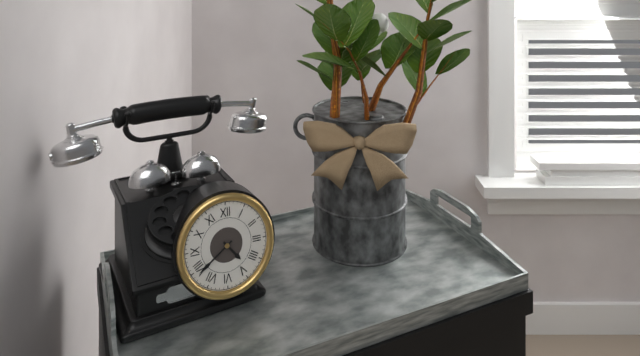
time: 4:39
